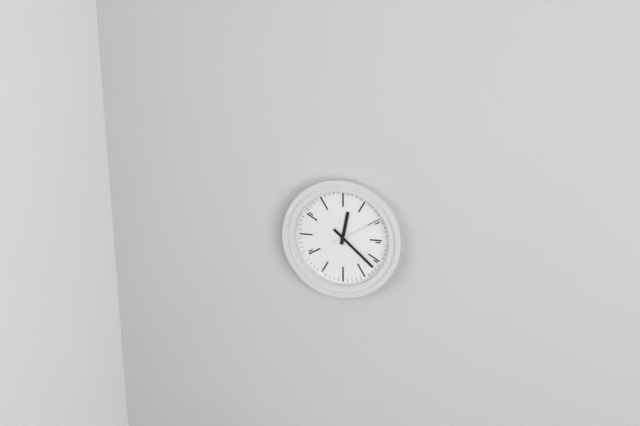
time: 12:22:10
